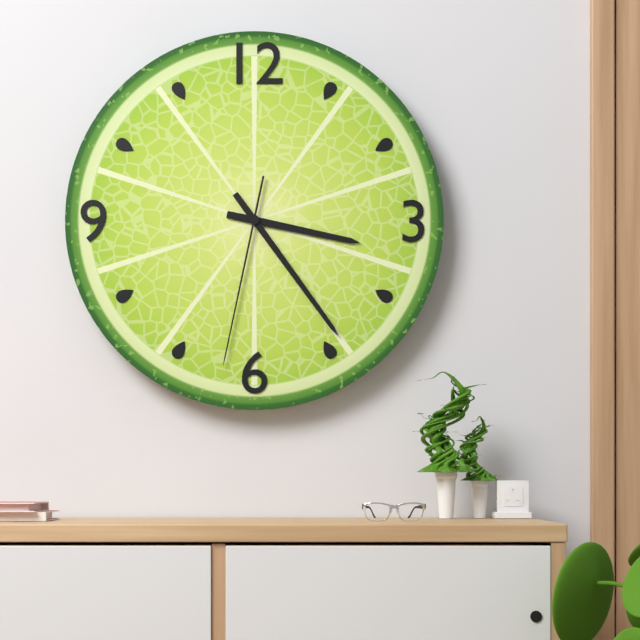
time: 3:24:32
